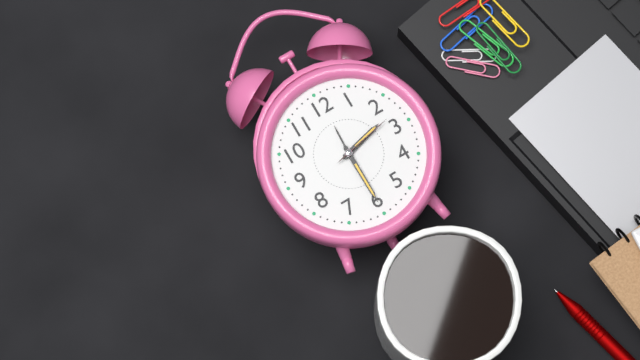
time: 2:30:13
